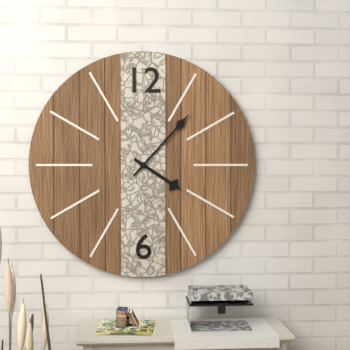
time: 4:07
